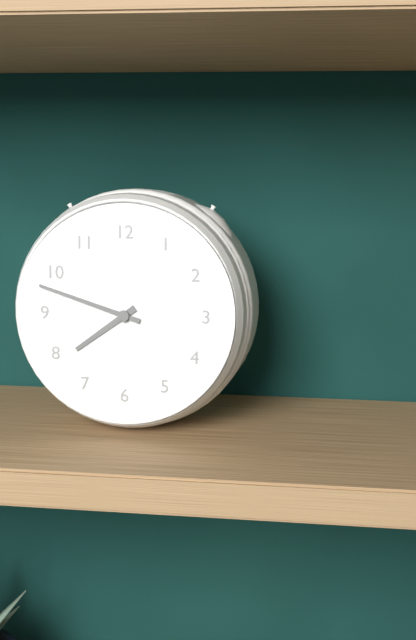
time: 7:48
